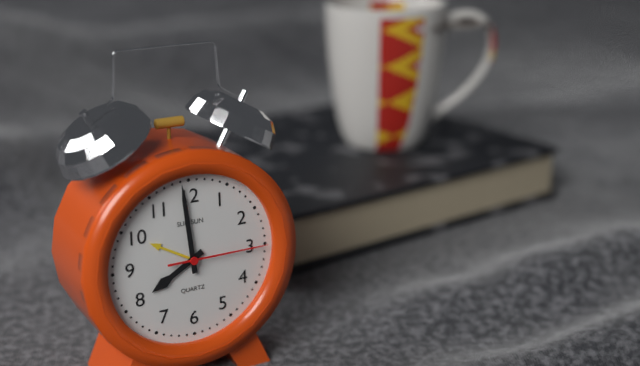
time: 7:59:15
